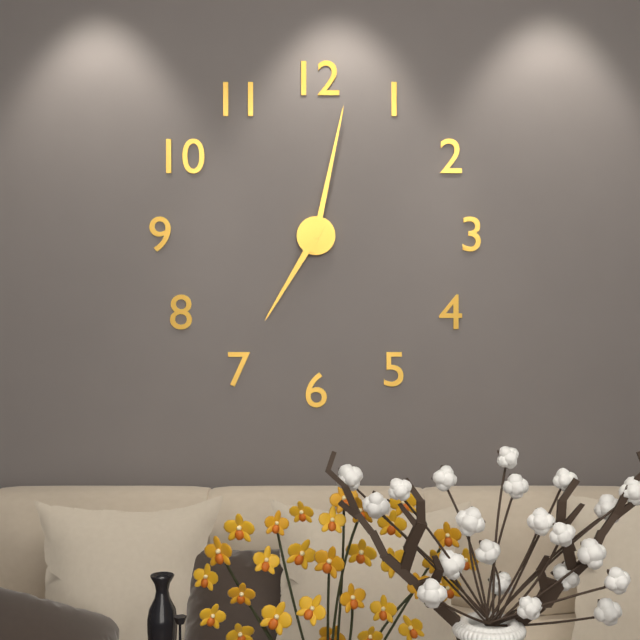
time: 7:02
